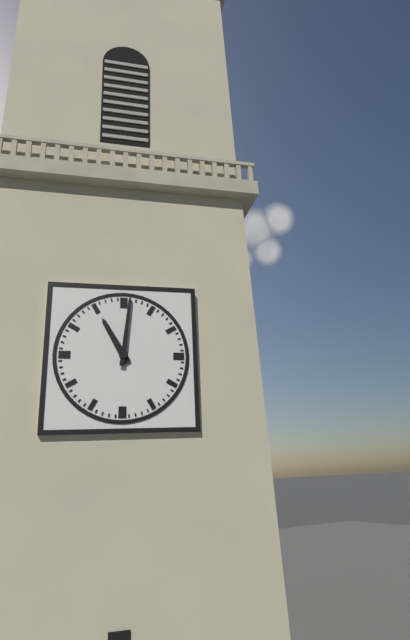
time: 11:01
